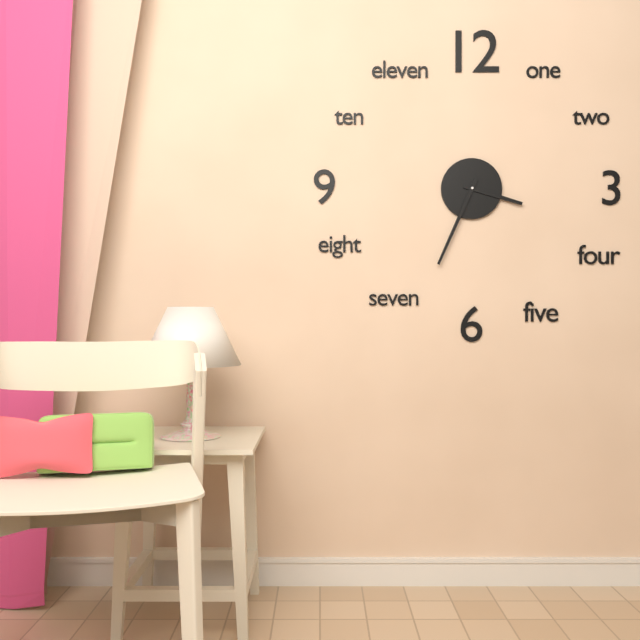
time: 3:34
